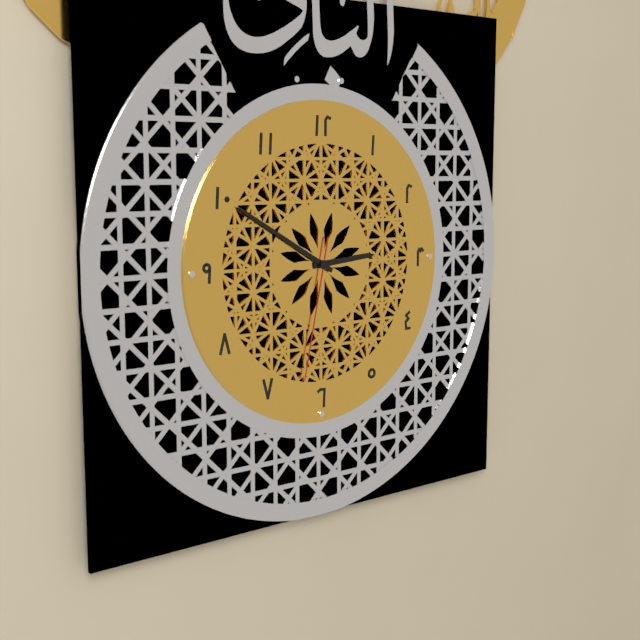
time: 2:50:32
